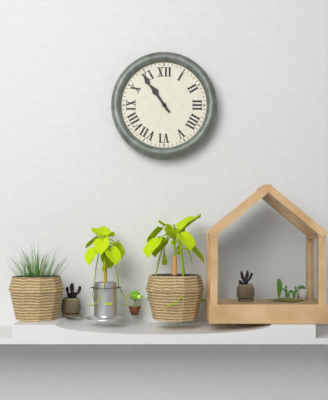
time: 10:54
